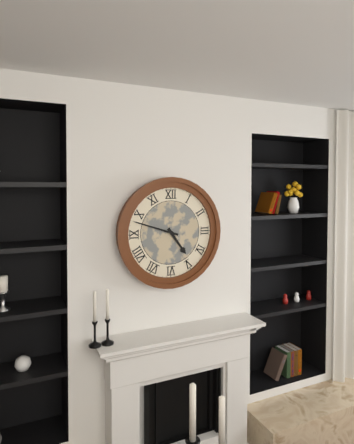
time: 4:48
